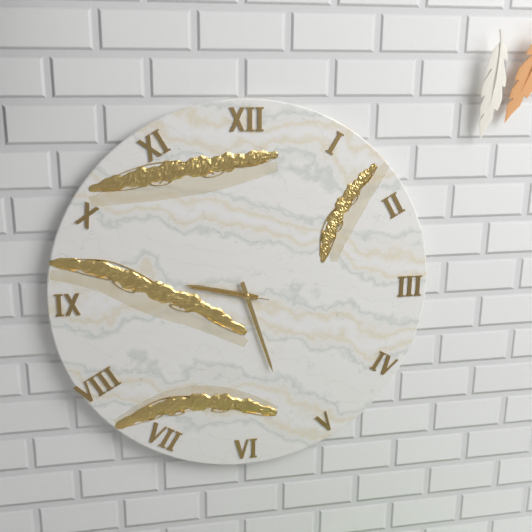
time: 9:27:47
